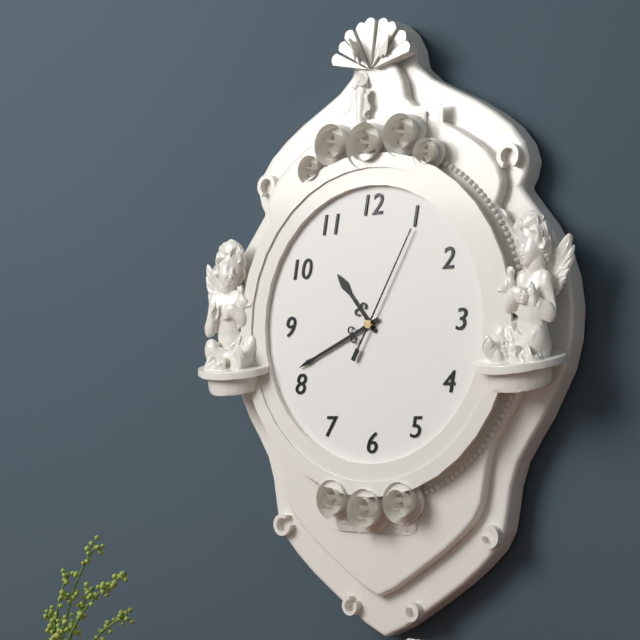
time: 10:41:05
